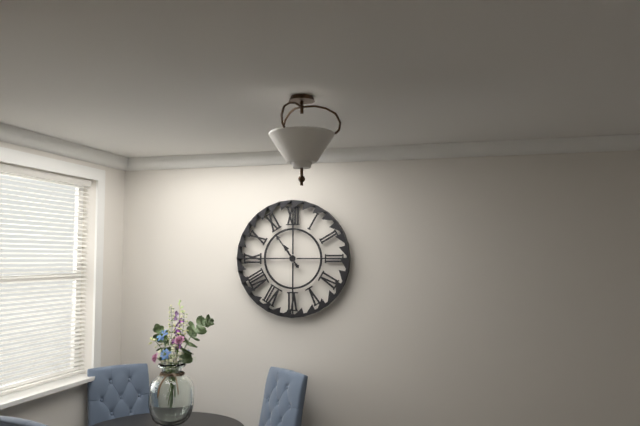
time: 10:54
